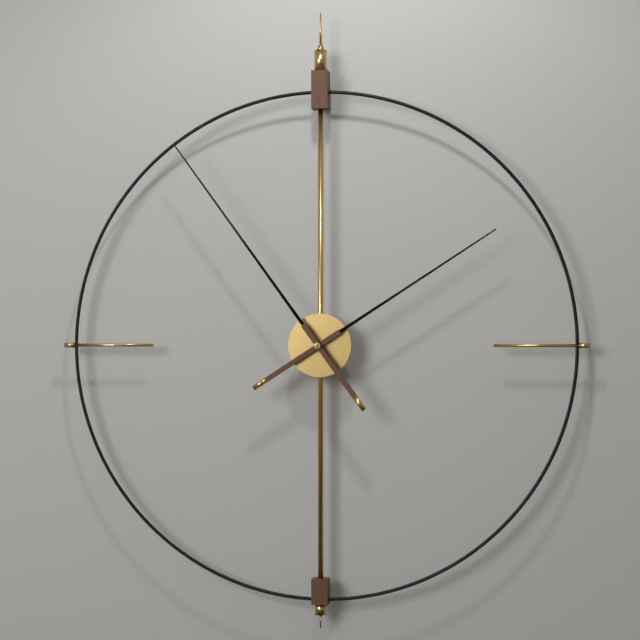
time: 1:54
